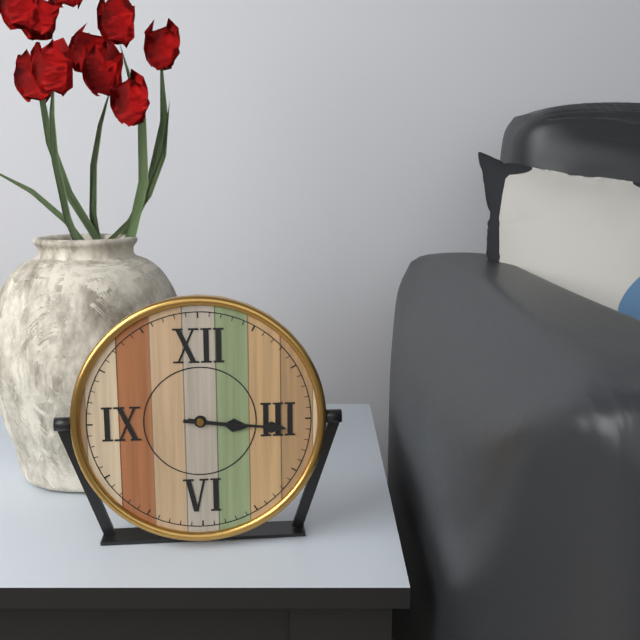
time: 3:16
